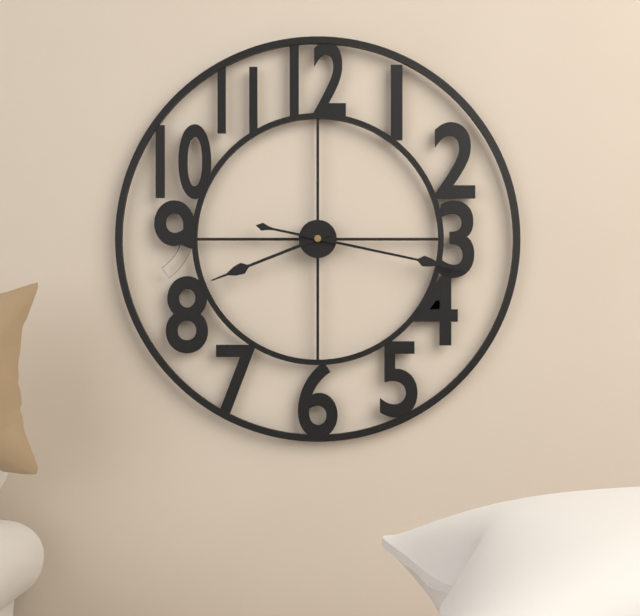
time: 8:17
